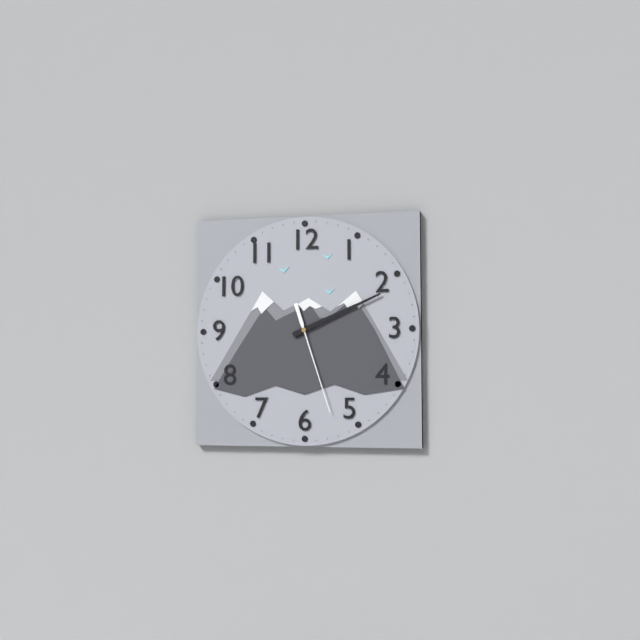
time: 2:11:27
